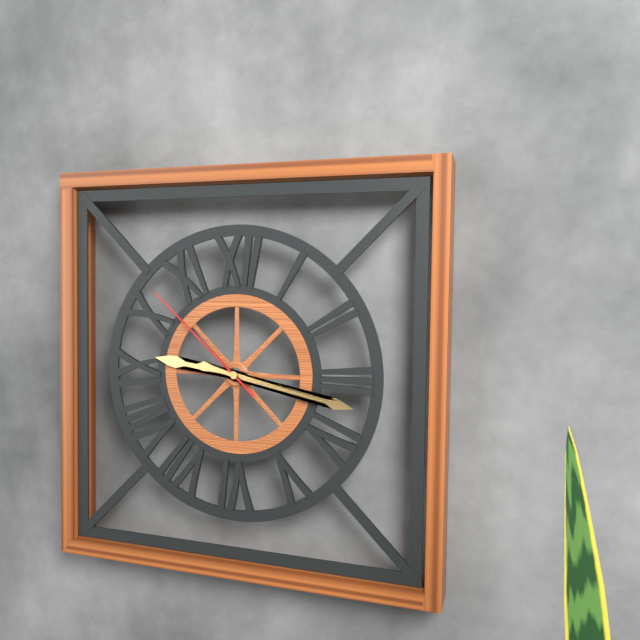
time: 9:17:52
